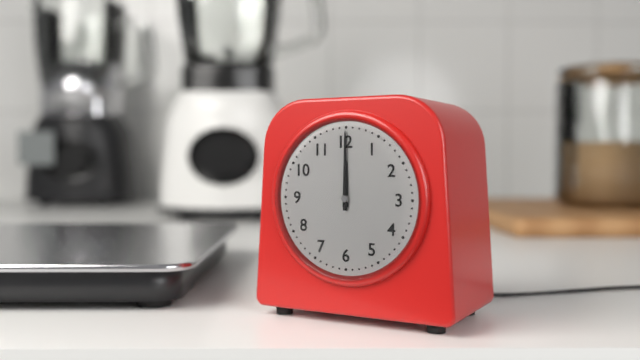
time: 12:00
